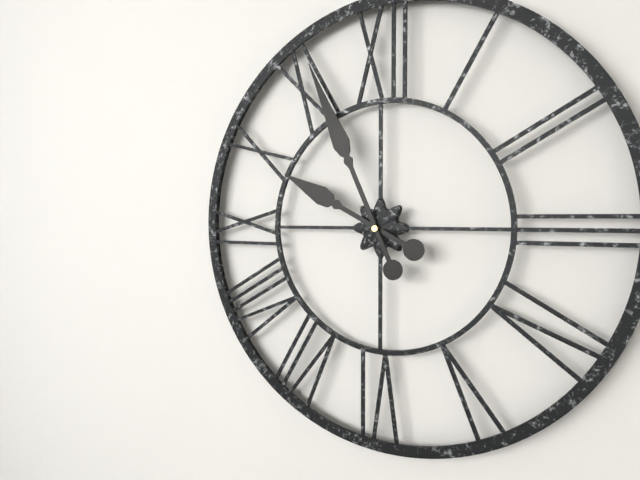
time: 9:56
